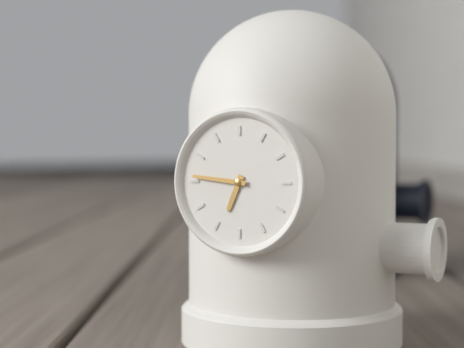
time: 6:46
